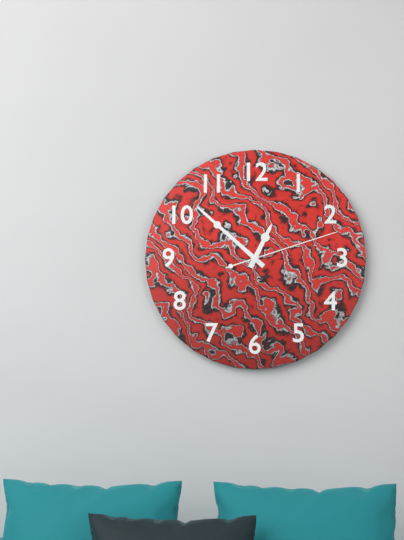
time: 12:52:12
